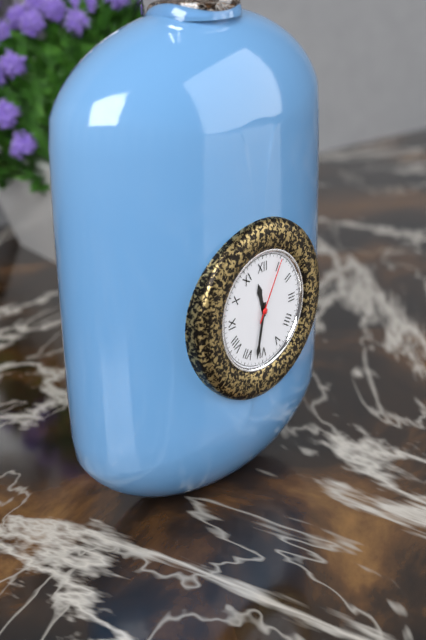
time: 11:32:05
